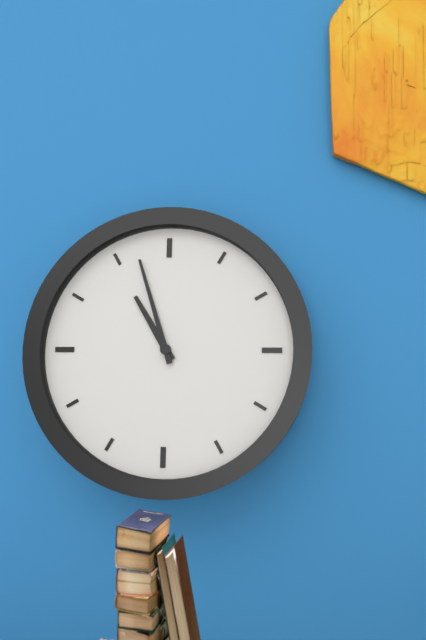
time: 10:57
